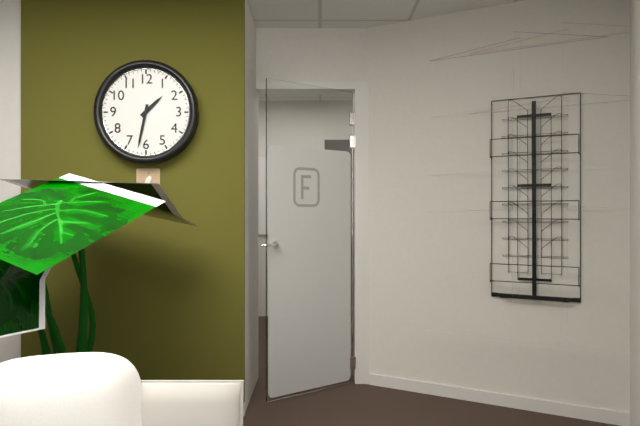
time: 1:32
